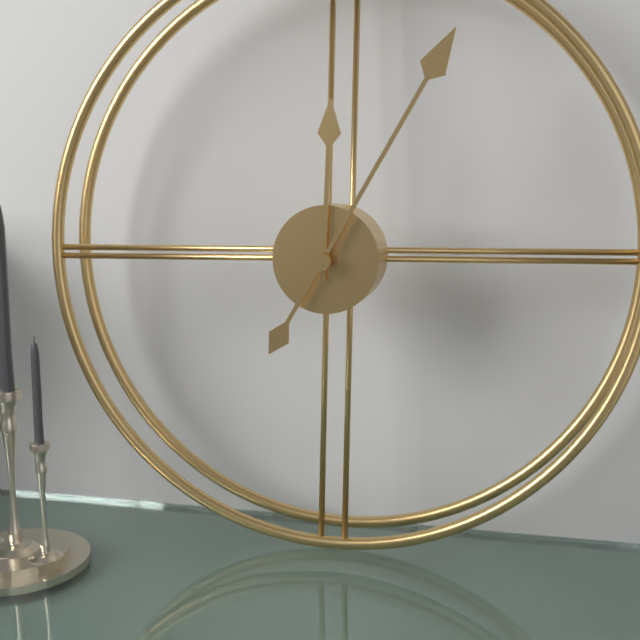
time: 12:05
